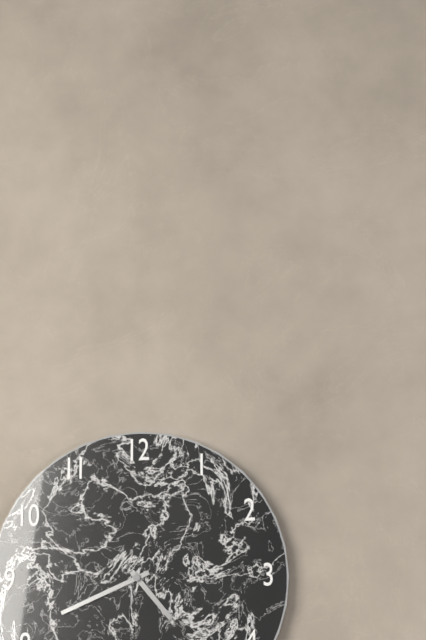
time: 4:41
